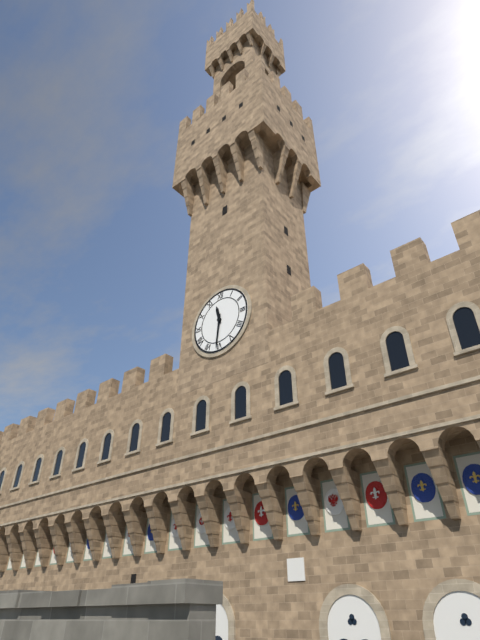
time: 11:31
